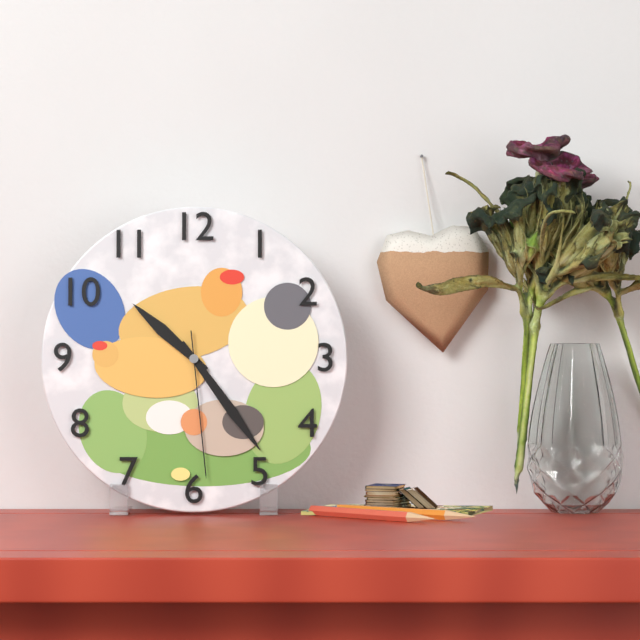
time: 10:24:29
